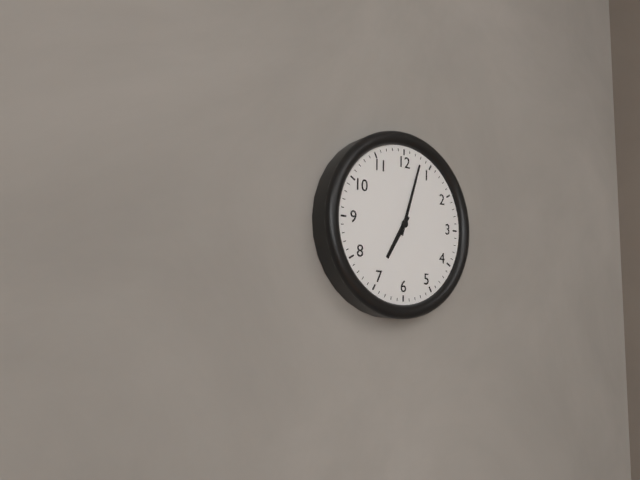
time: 7:03
